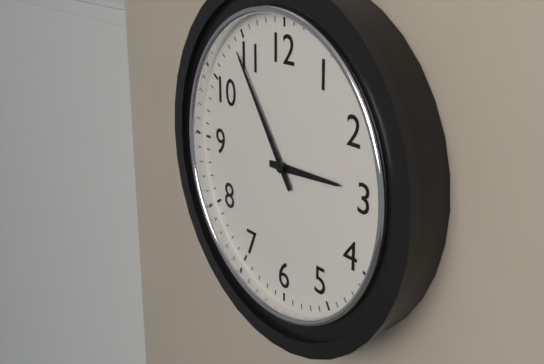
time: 2:54
